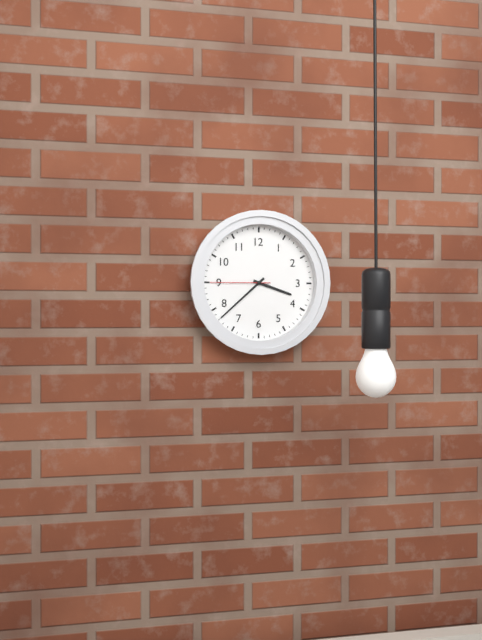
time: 3:38:45
